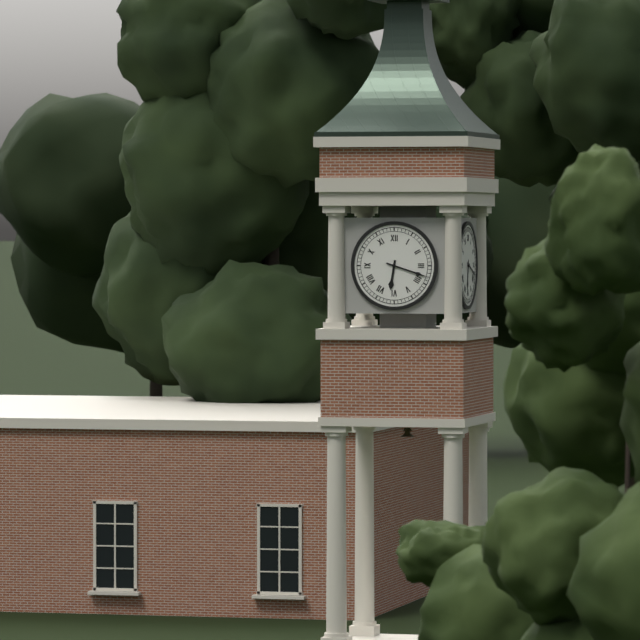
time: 6:18
